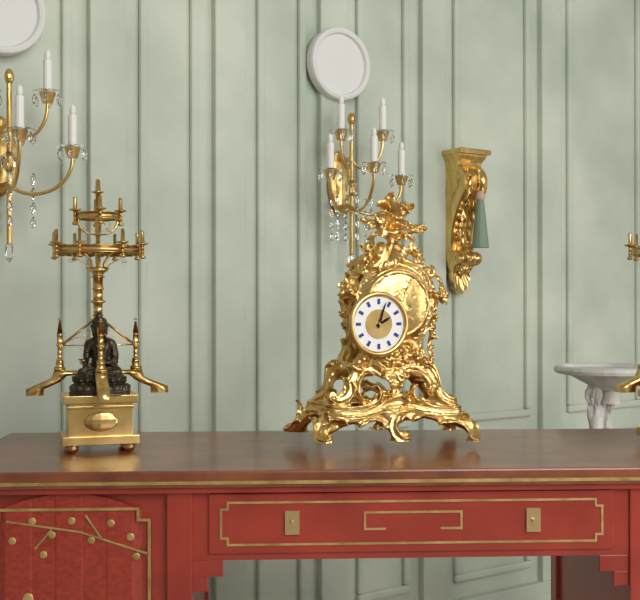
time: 2:03
